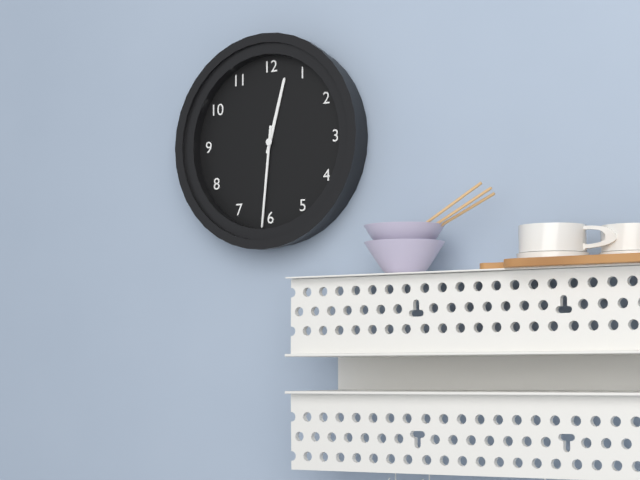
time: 12:31
